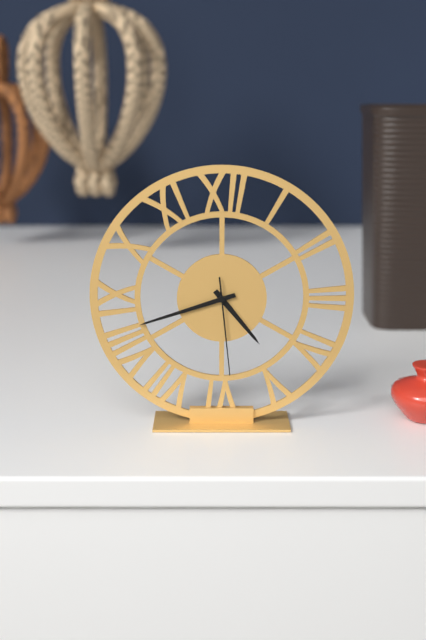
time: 4:42:29
